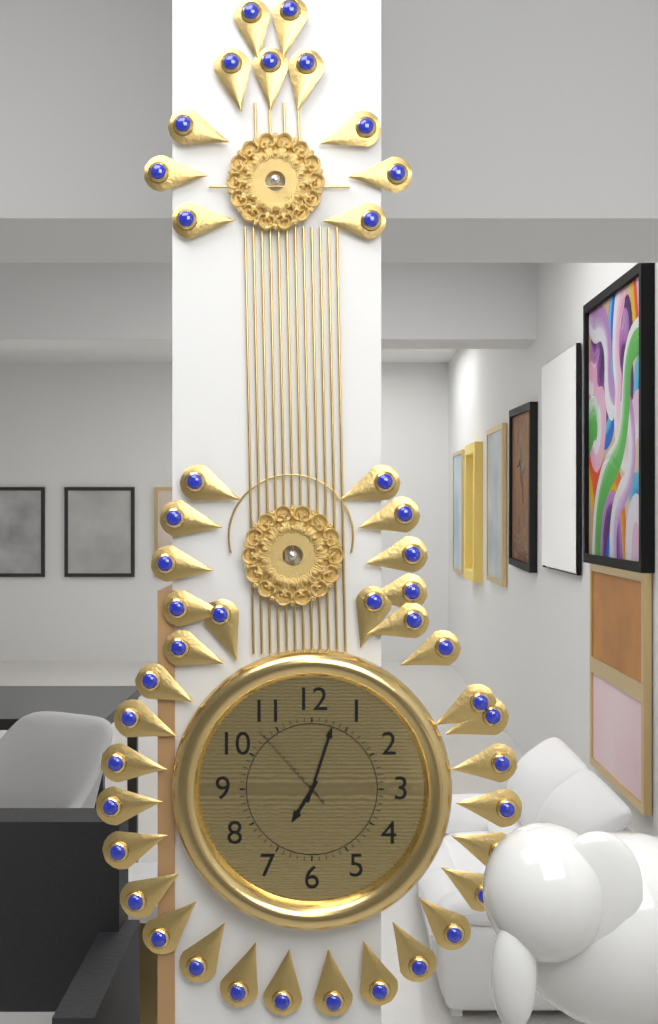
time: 7:03:53
